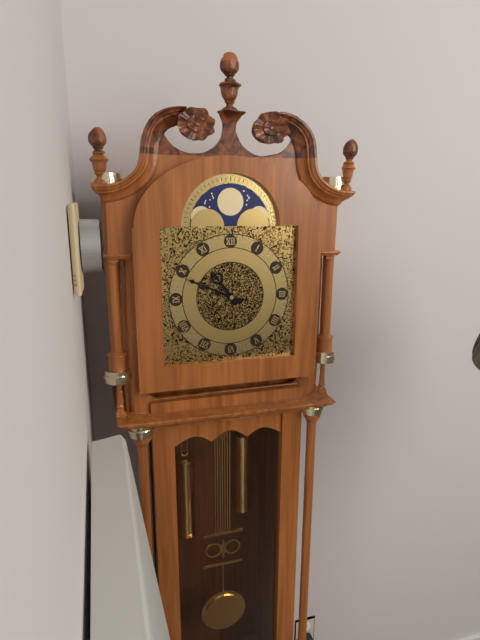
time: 10:49
